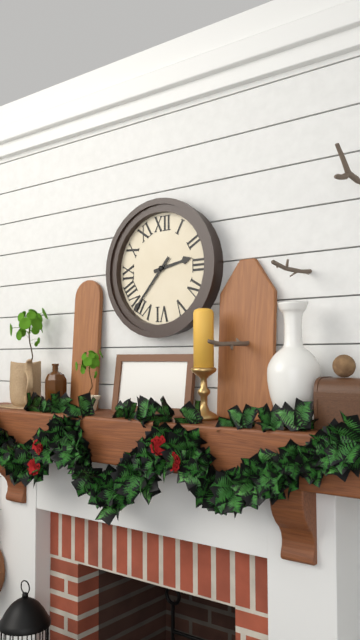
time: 2:37
